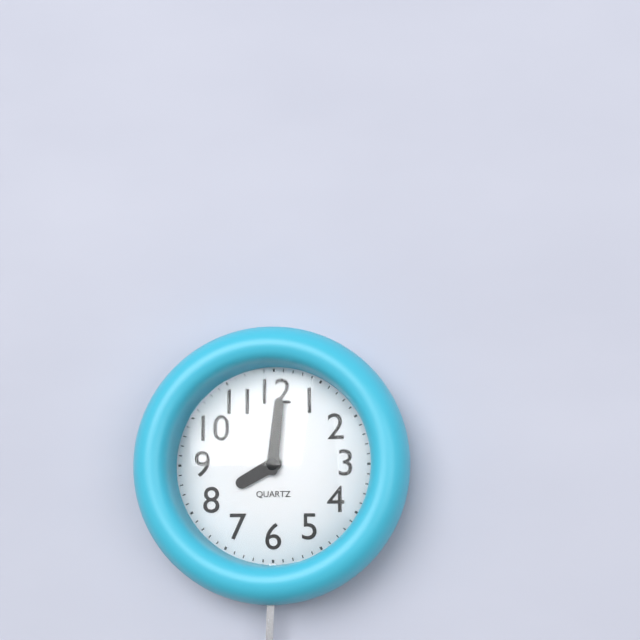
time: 8:01
